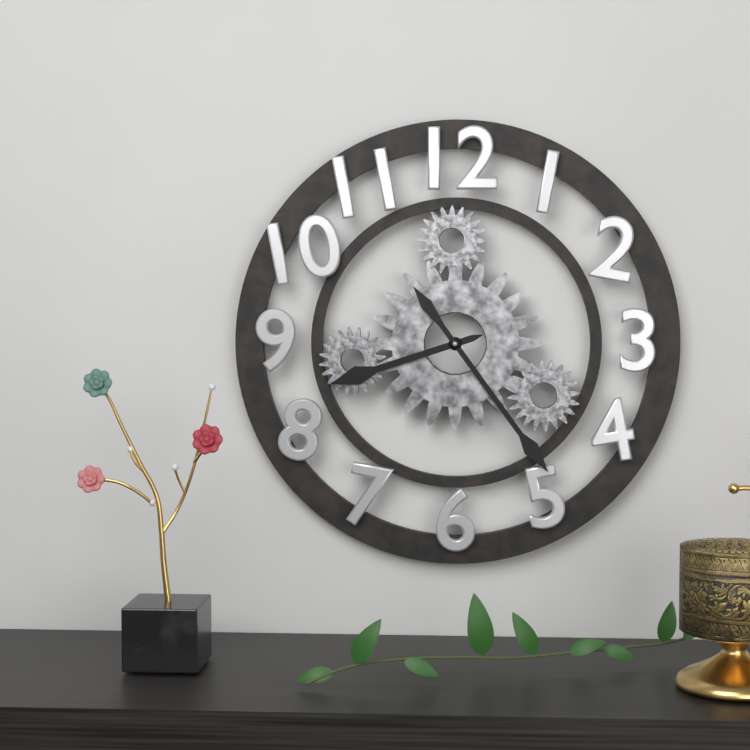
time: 8:24
